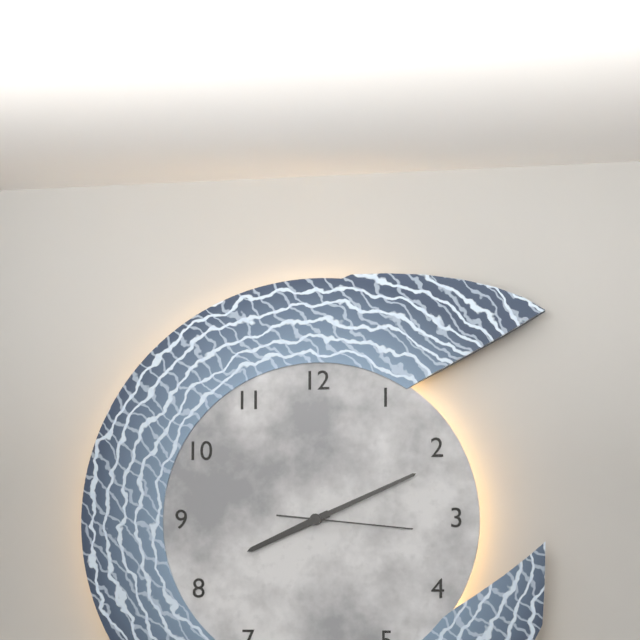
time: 8:11:16
